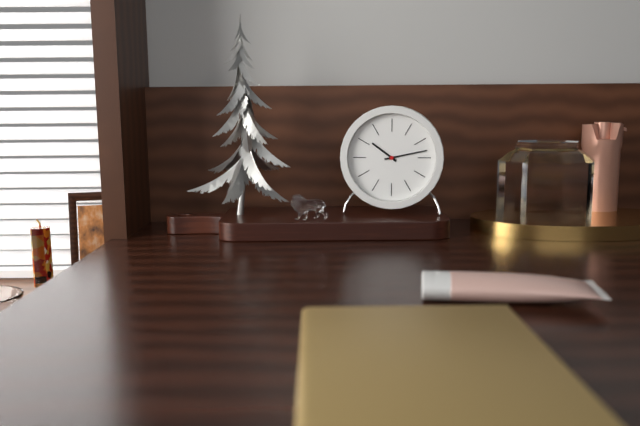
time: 10:13
